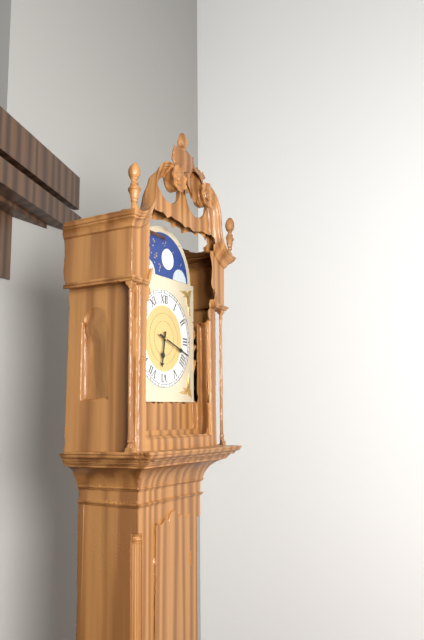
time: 6:18
